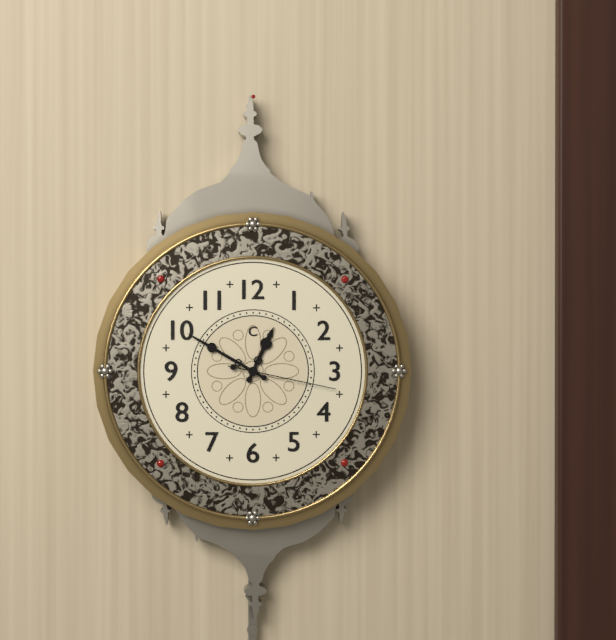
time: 12:50:17
